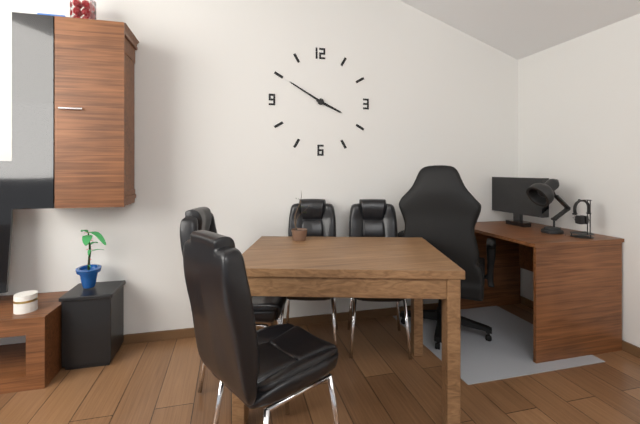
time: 3:50
